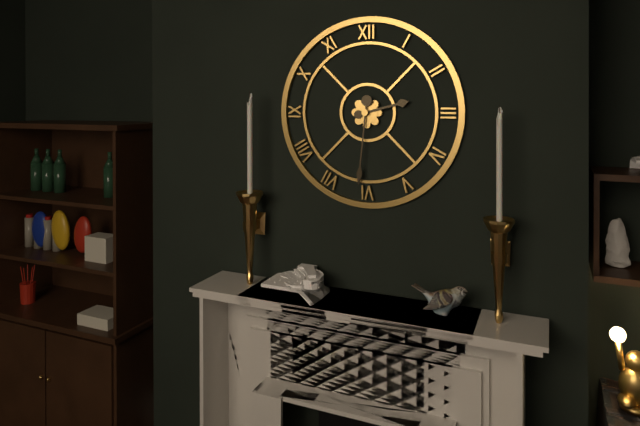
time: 2:31
